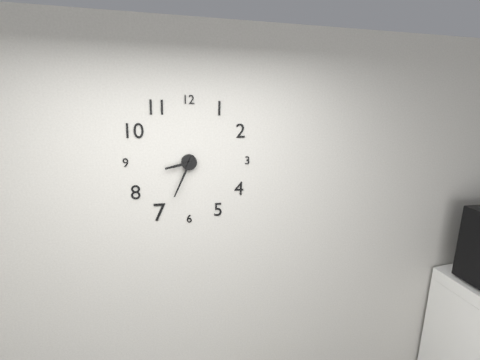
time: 8:34
